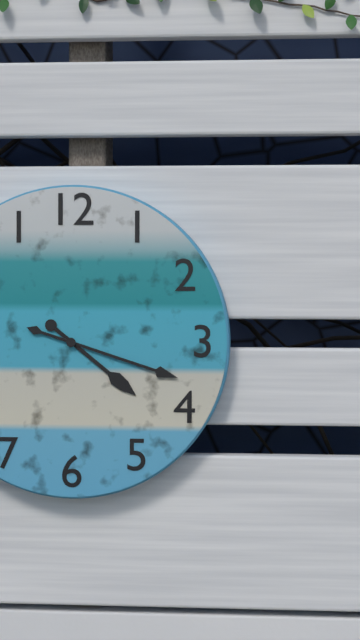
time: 4:18
